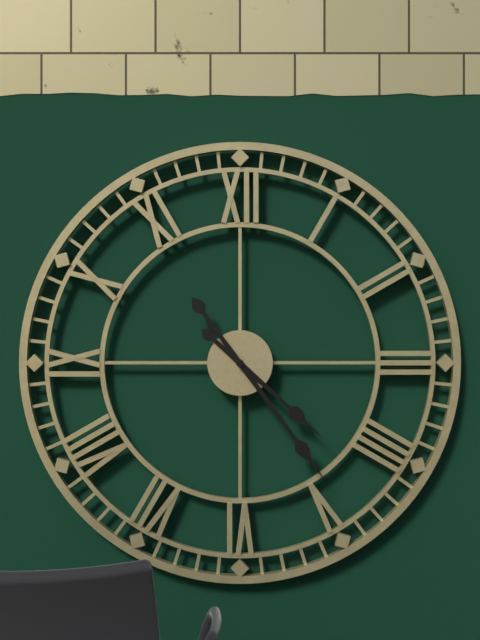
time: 4:24
